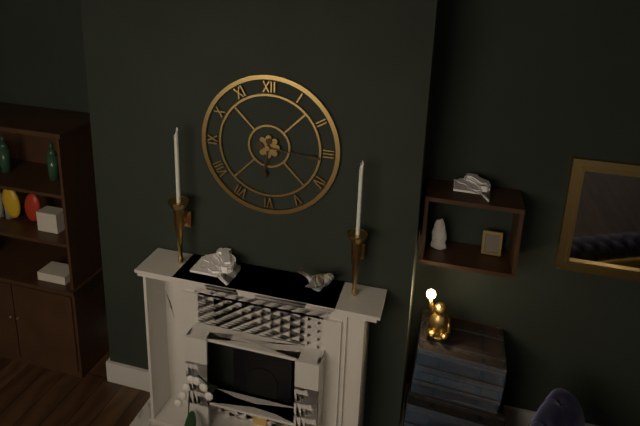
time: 6:16
